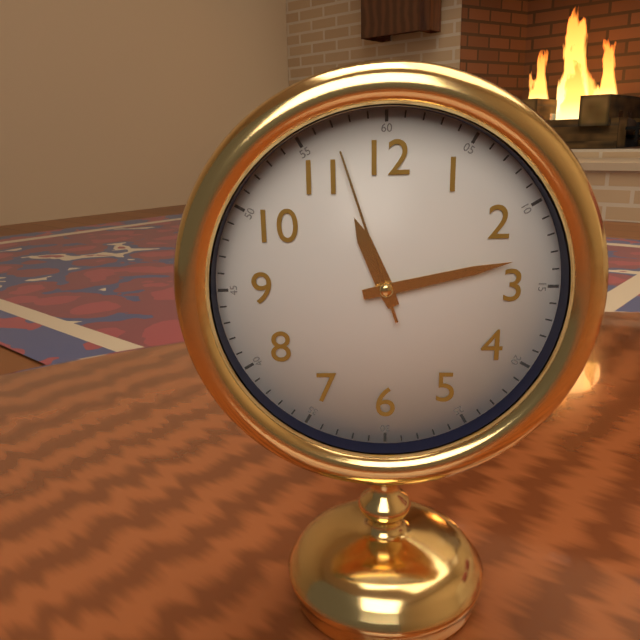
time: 11:13:57
